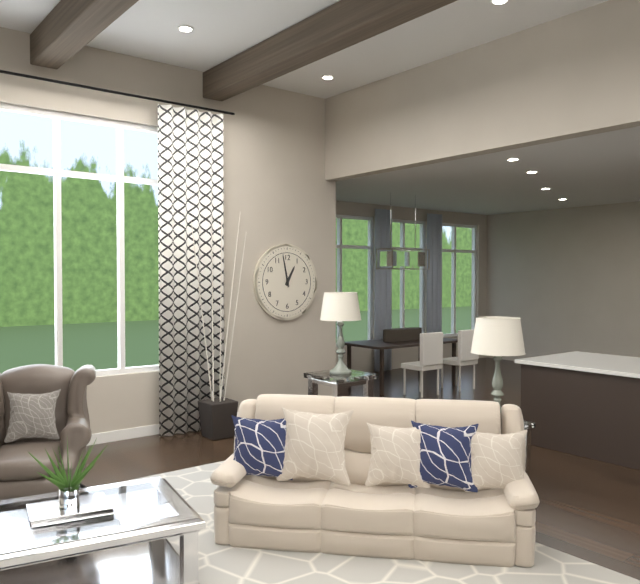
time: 12:58
